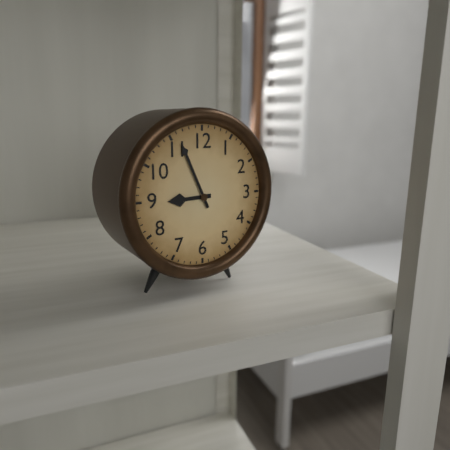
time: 8:56
